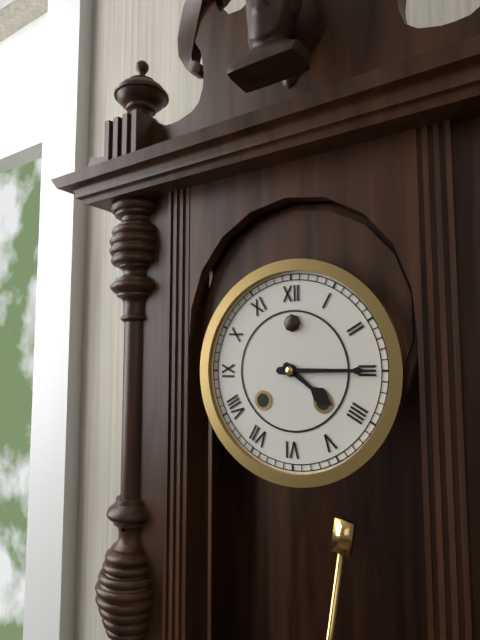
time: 4:15
